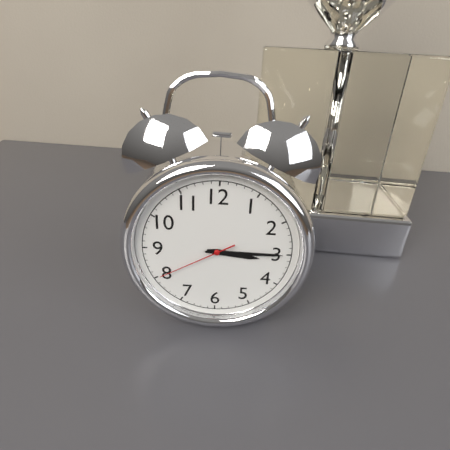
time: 3:15:40
